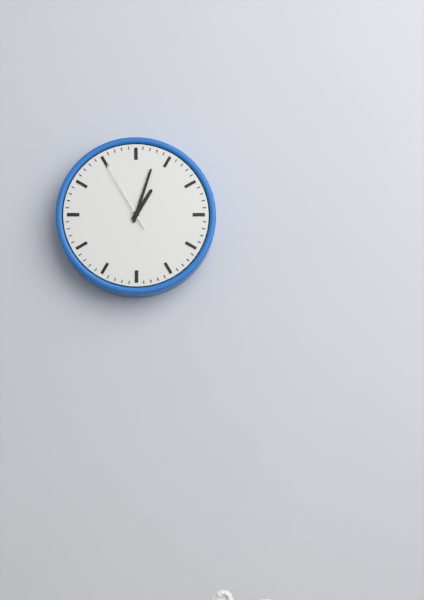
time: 1:03:55
